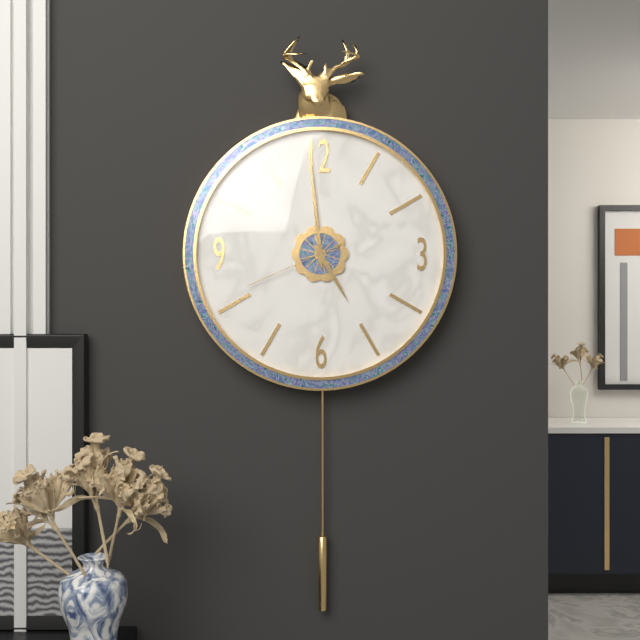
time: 4:59:41
